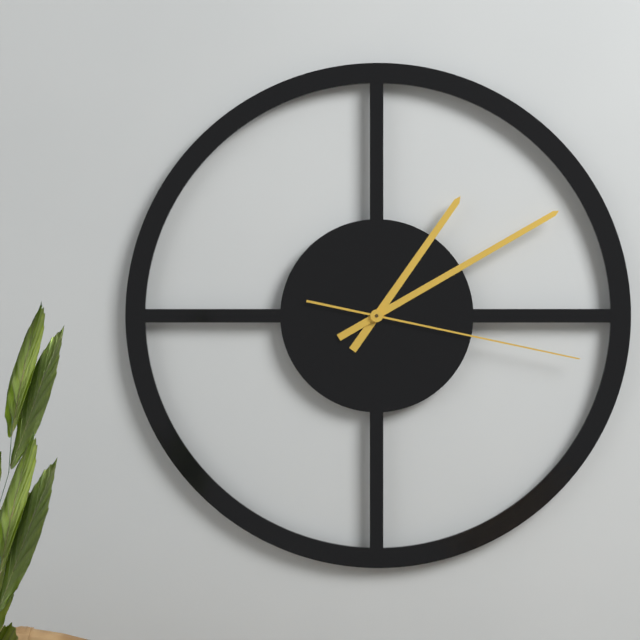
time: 1:10:17
